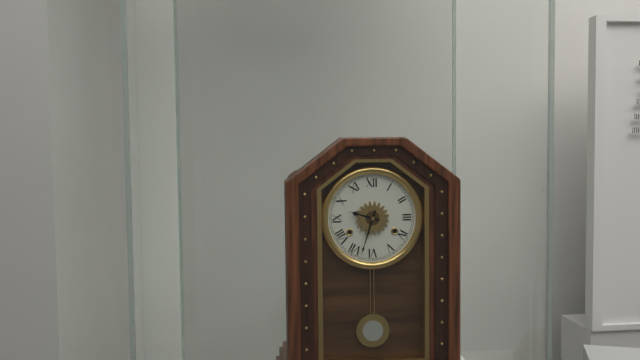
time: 9:33
